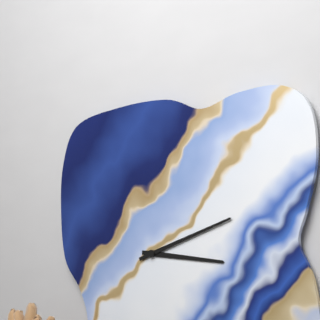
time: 3:12
